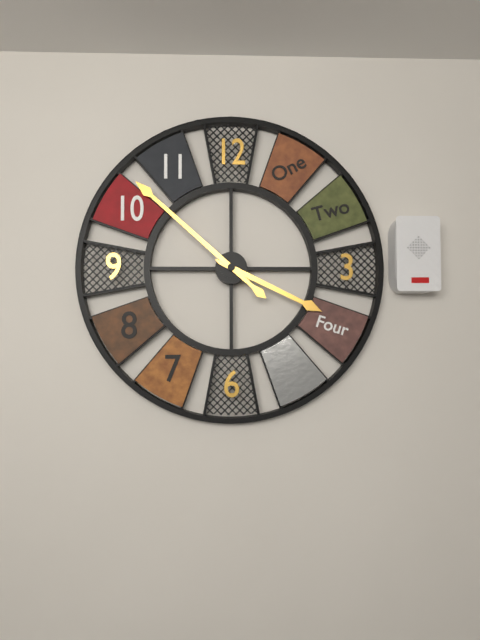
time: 3:52
